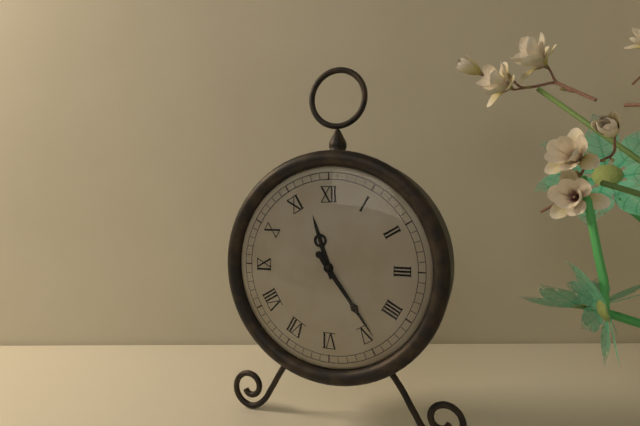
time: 11:24
